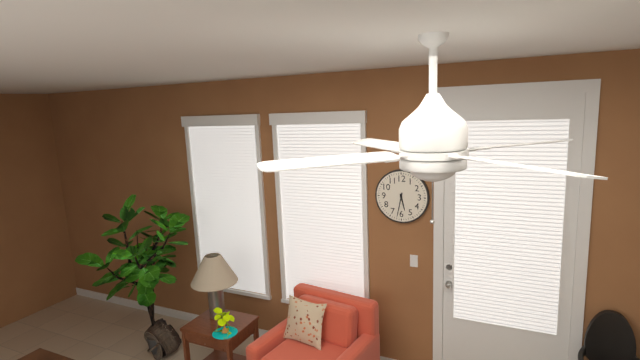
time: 5:32
